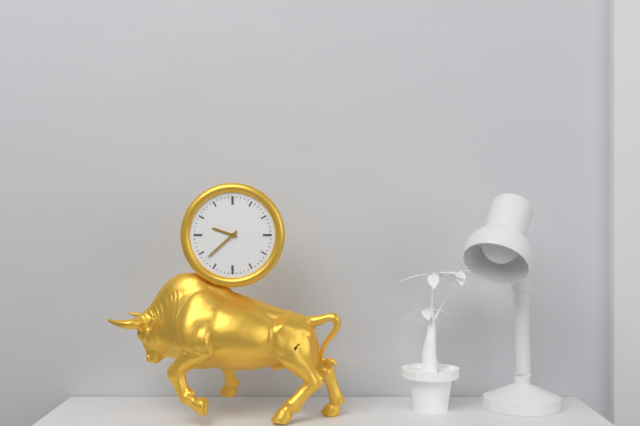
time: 9:38
